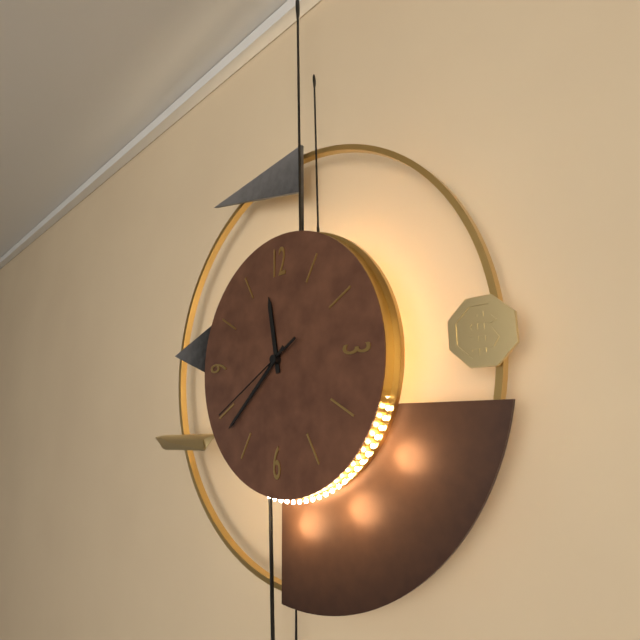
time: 11:38:40
